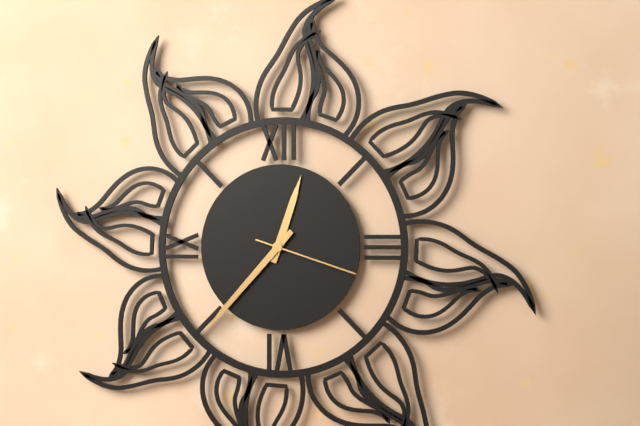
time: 12:37:18
